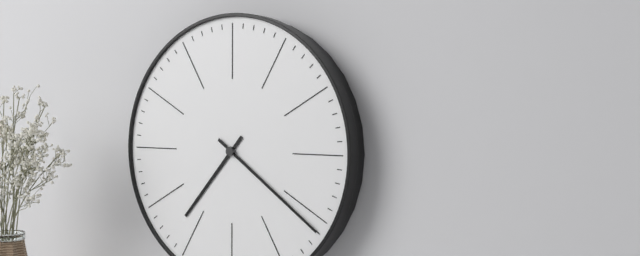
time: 7:21
